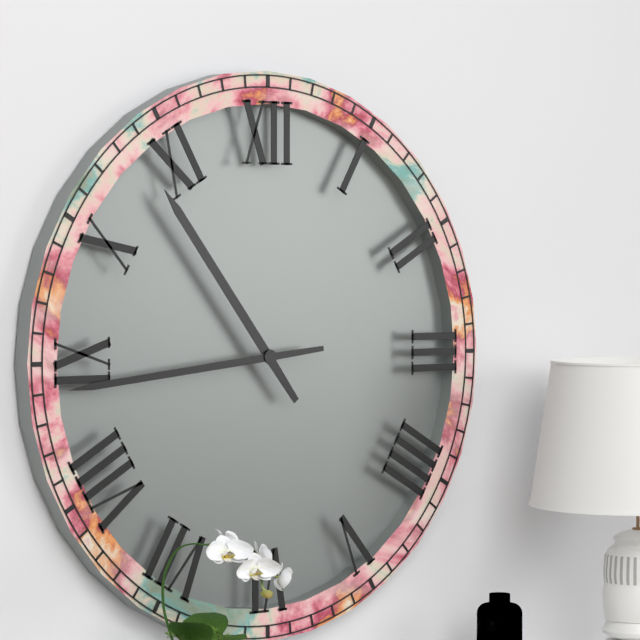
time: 10:44
